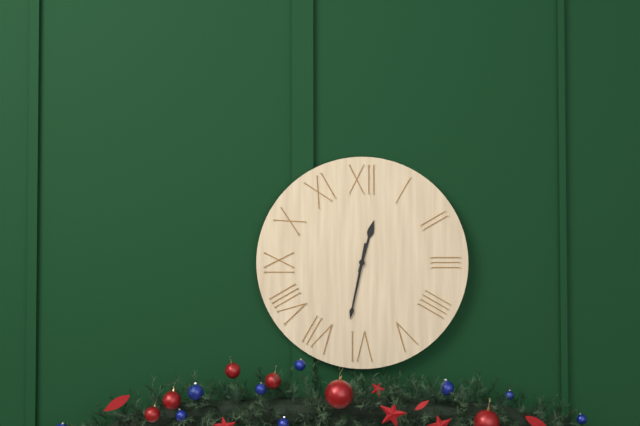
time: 12:32
